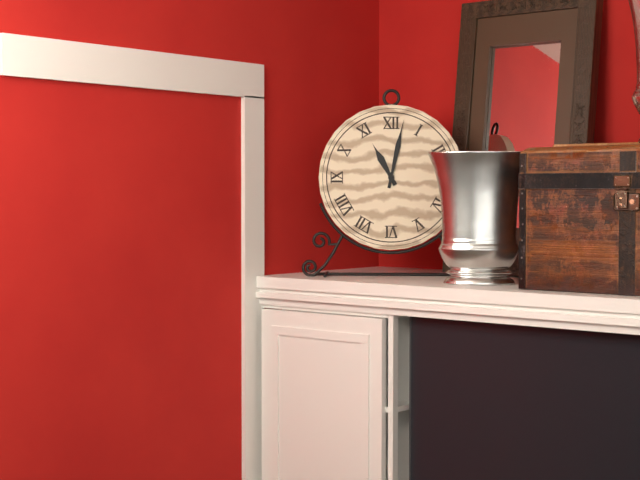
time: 11:02
